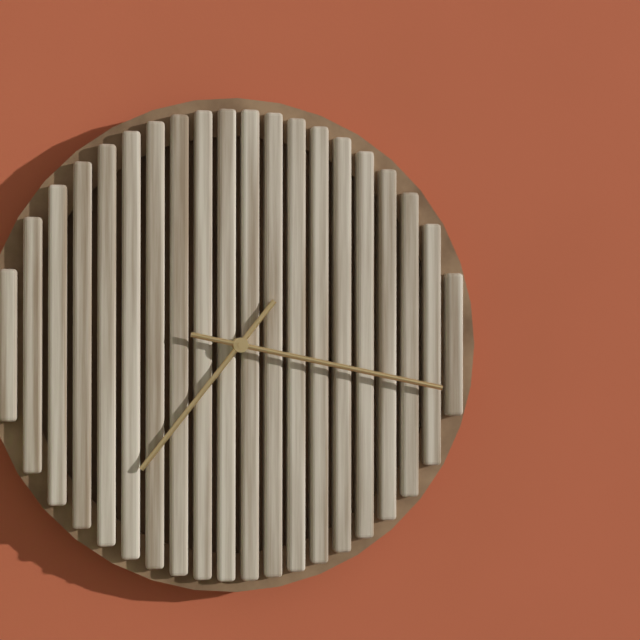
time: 7:17
